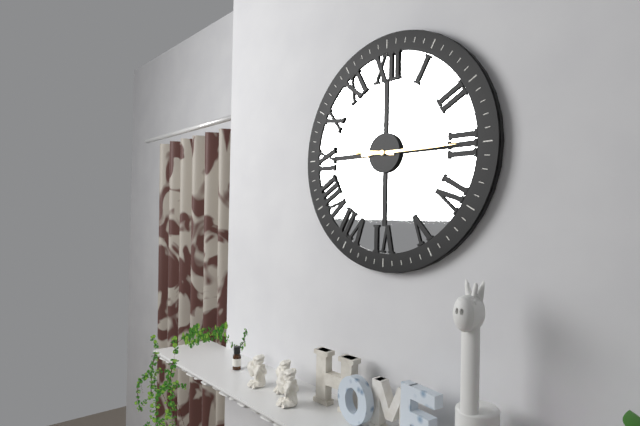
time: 9:15
